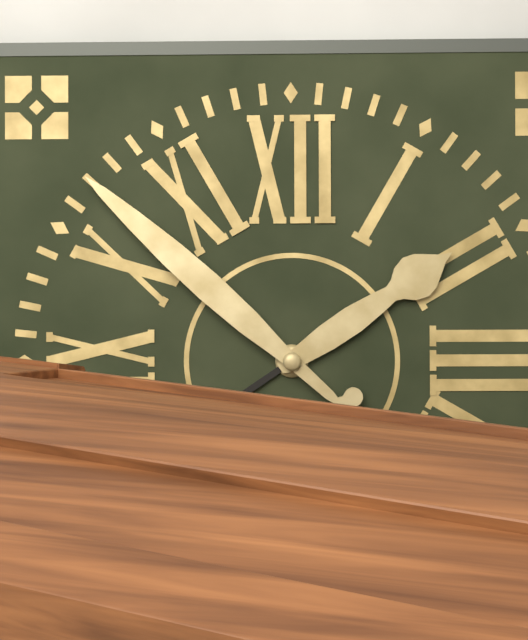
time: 1:52
